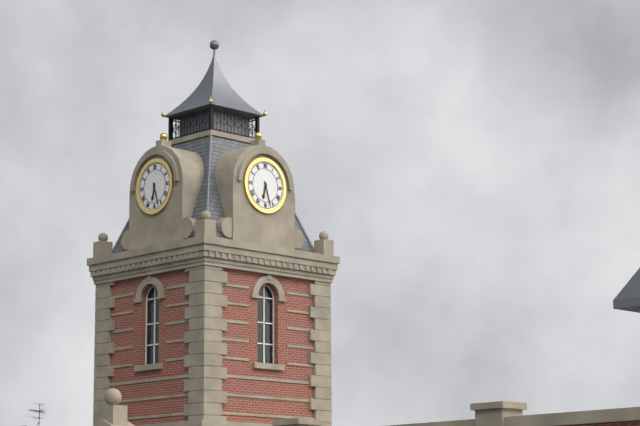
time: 6:27
